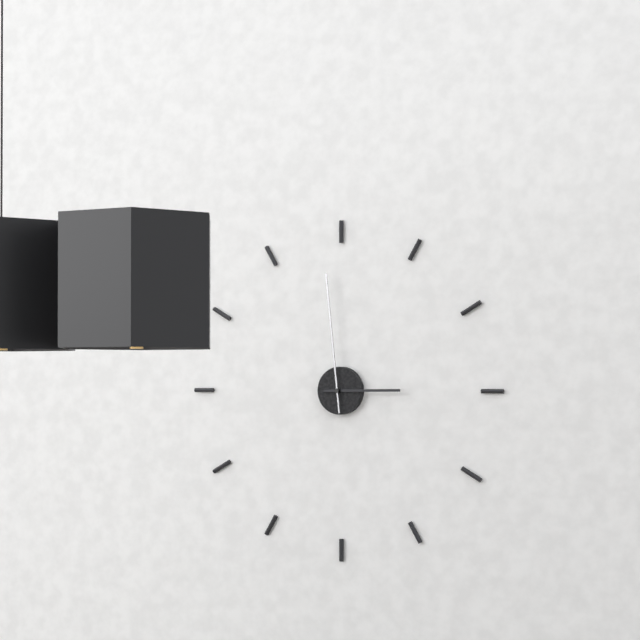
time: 2:59
